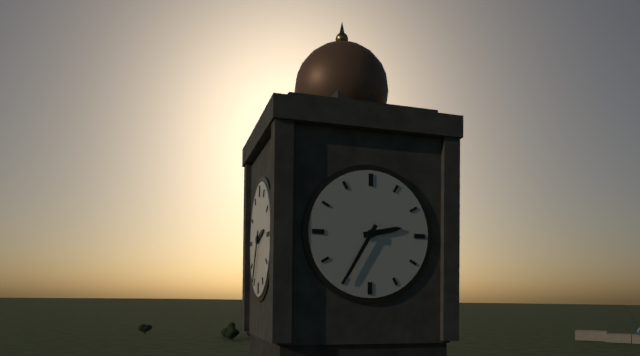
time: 2:35
